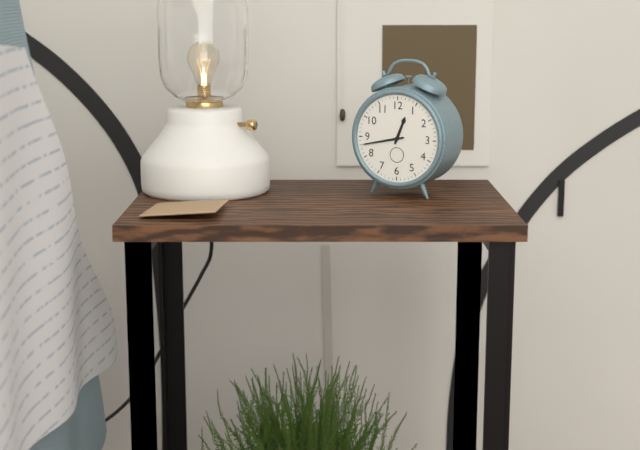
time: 12:43
